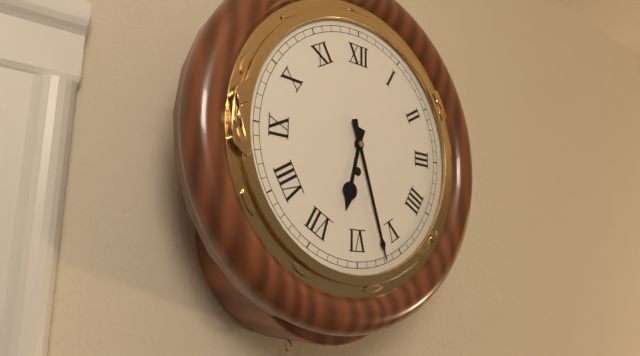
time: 6:27
